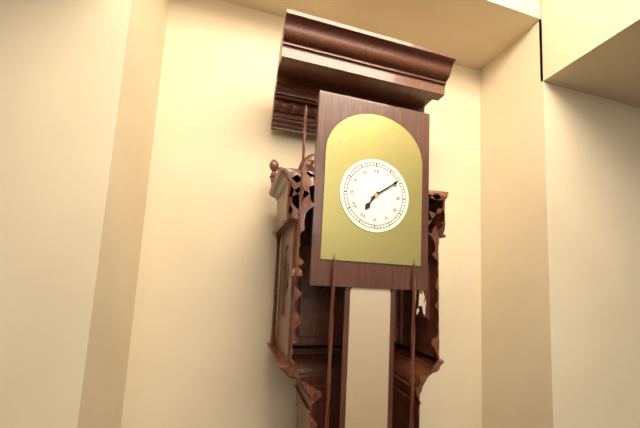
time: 7:09
